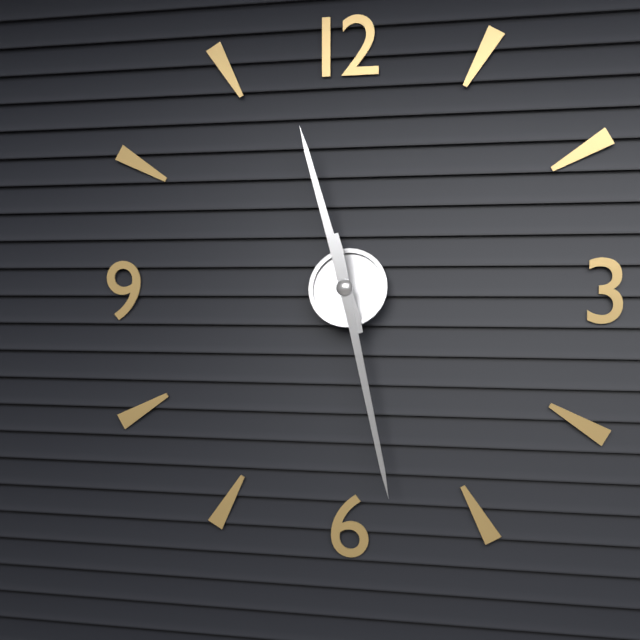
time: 11:28
